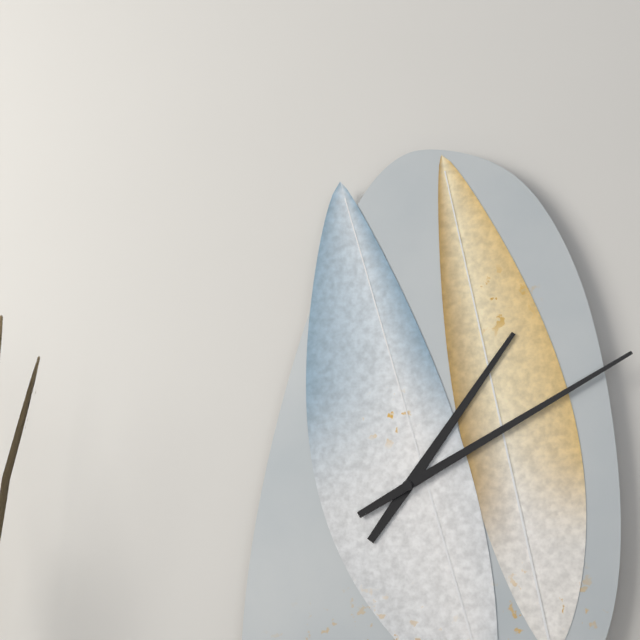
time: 1:10
